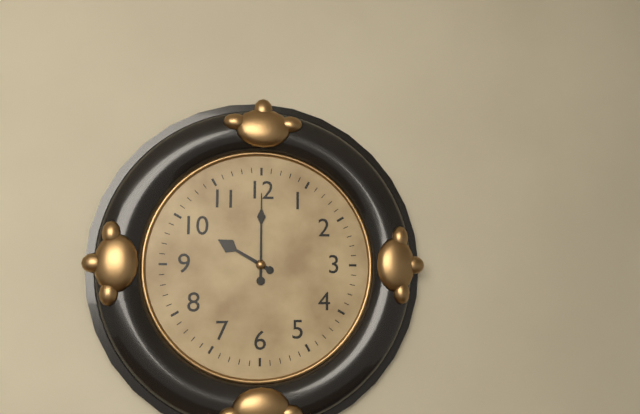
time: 10:00
